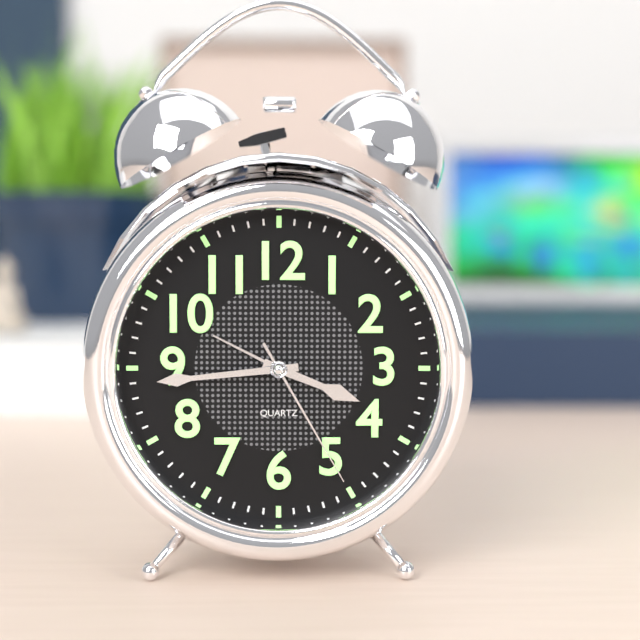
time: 3:44:25
